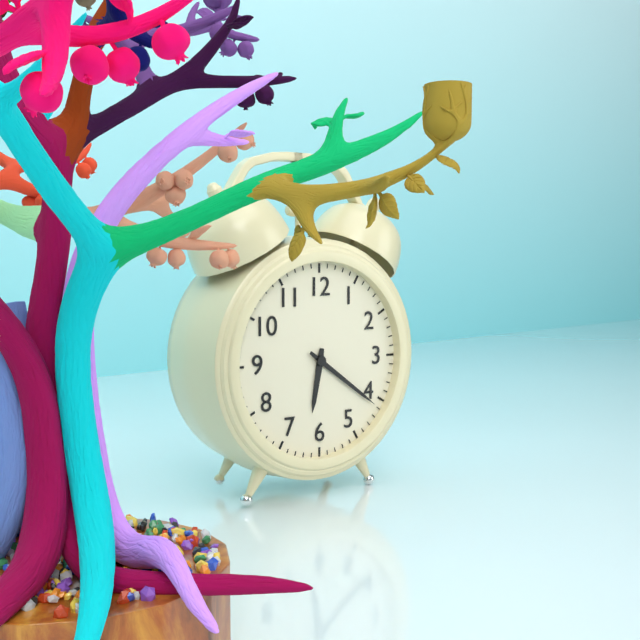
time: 6:21
